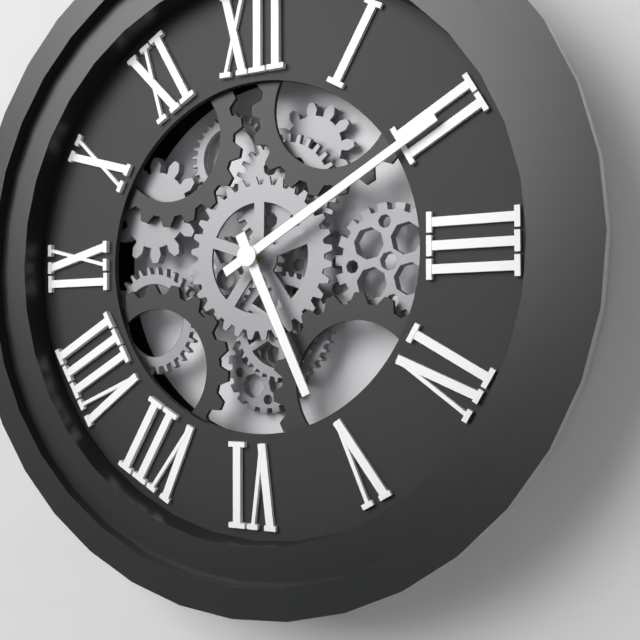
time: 5:10
